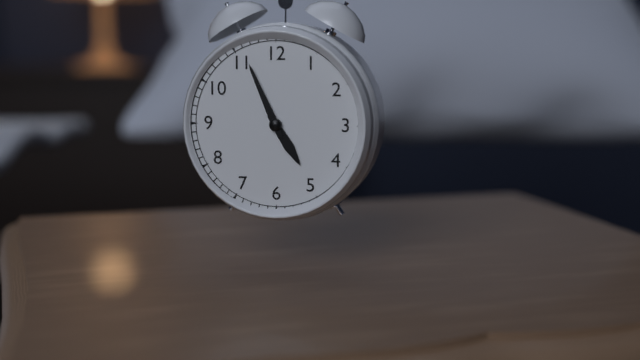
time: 4:56
